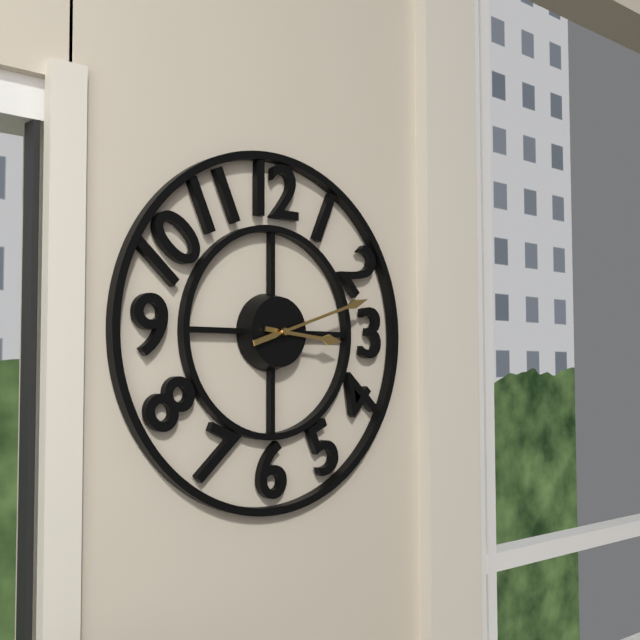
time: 3:12
